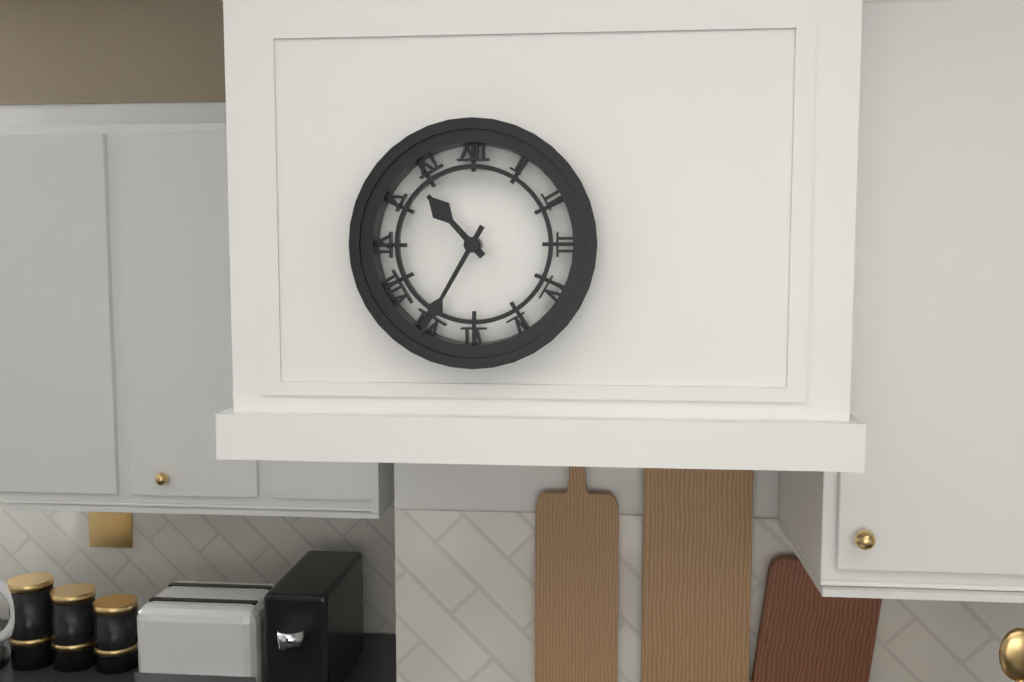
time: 10:35
